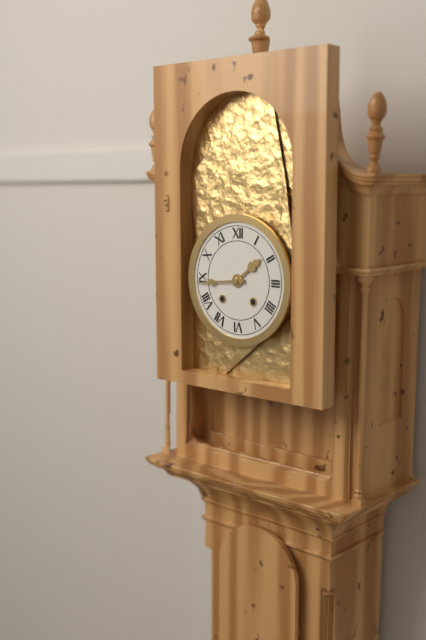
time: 1:44
